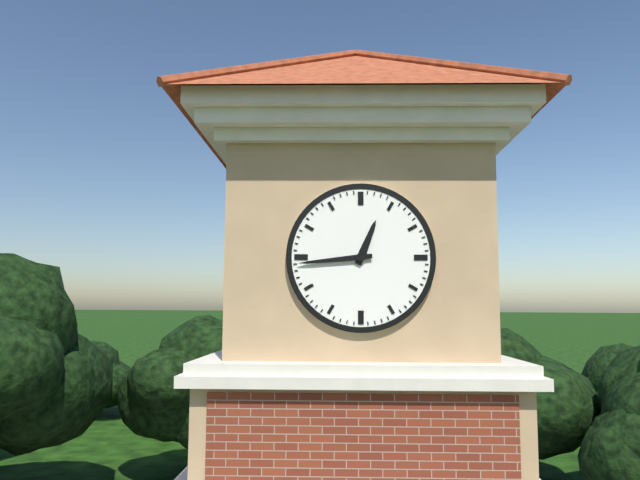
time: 12:44
